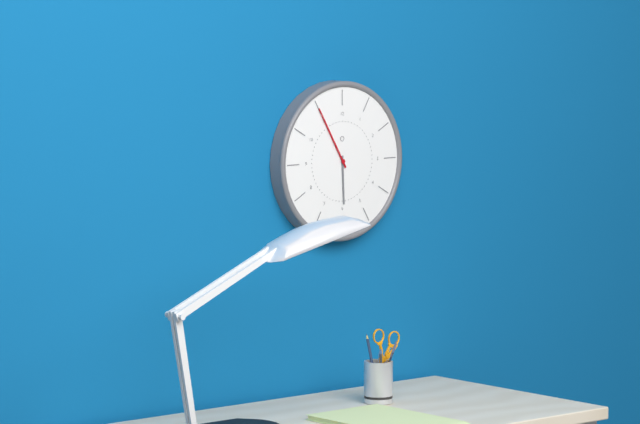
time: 5:55
